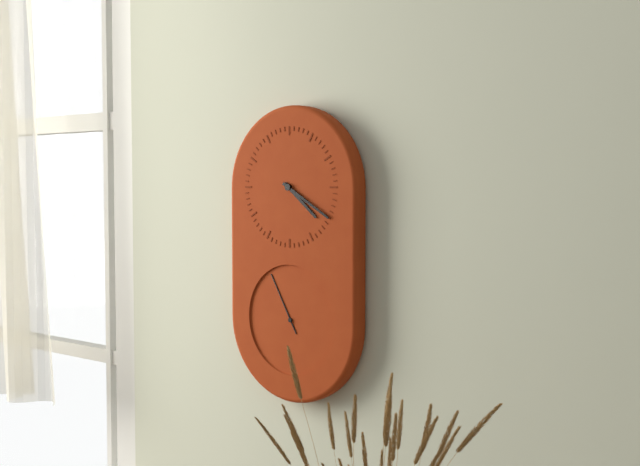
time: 4:20:55
